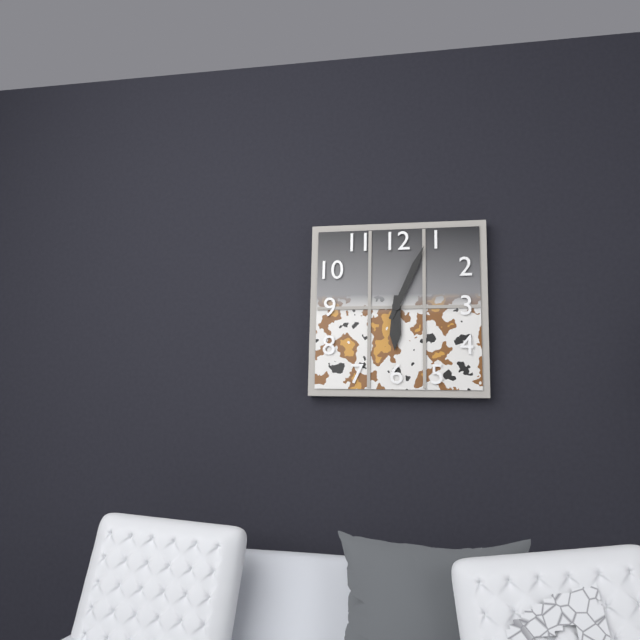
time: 6:04
